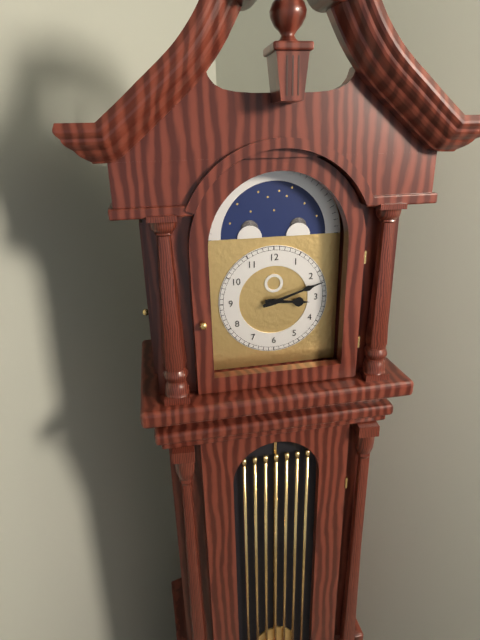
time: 3:12
